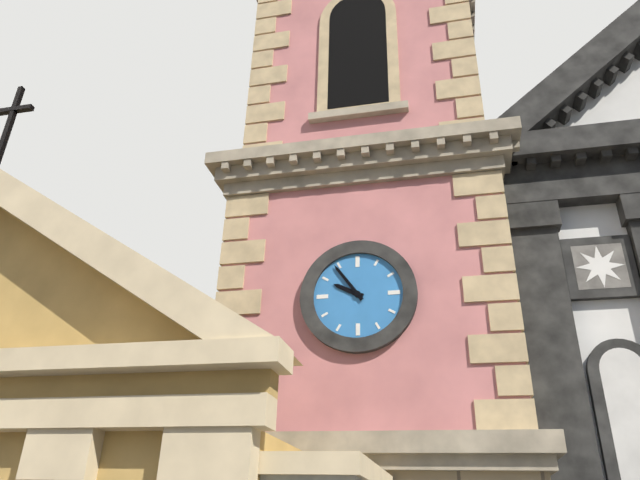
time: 9:54
